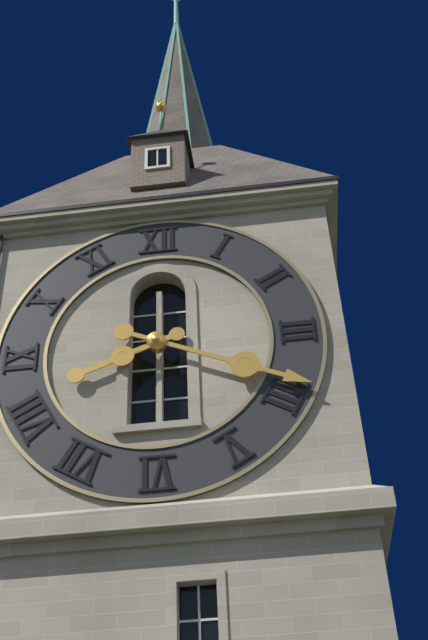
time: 8:19
